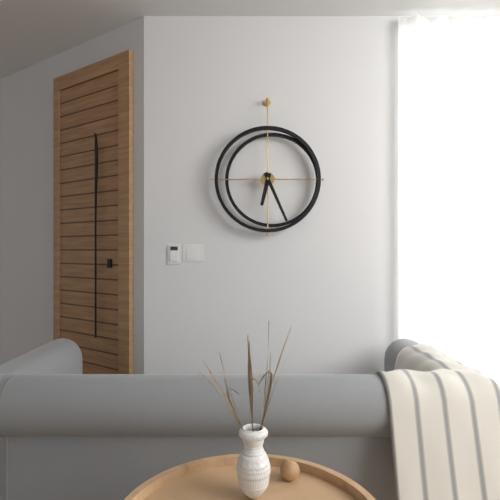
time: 6:26
